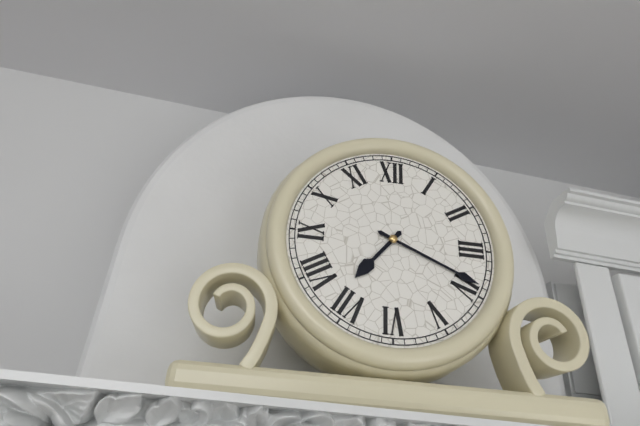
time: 7:19
